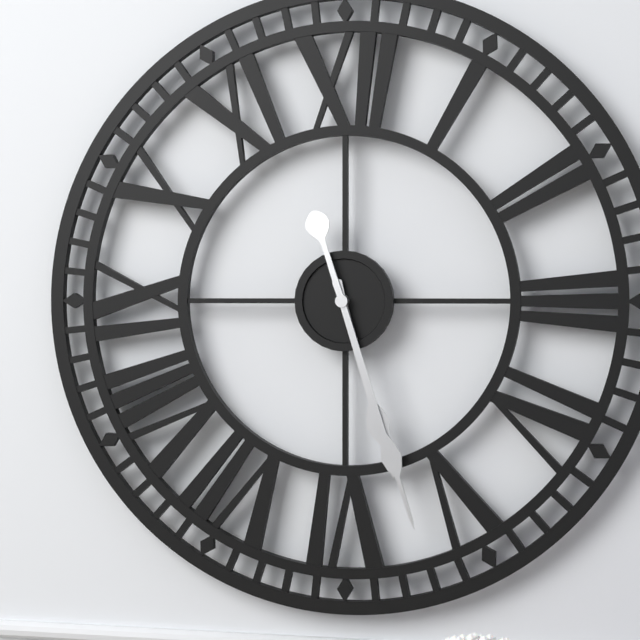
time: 5:27
